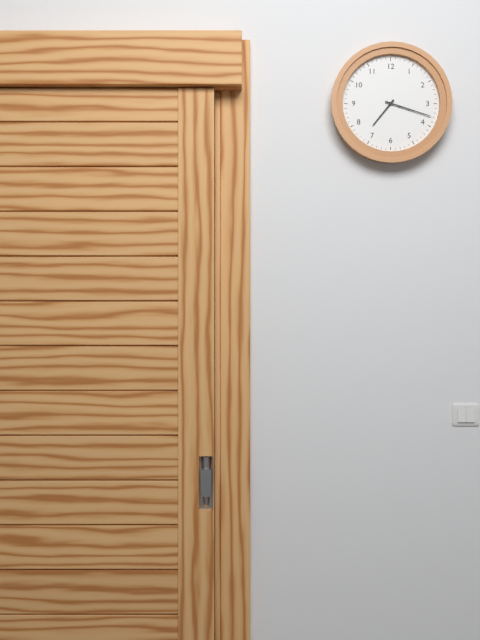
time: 7:18
